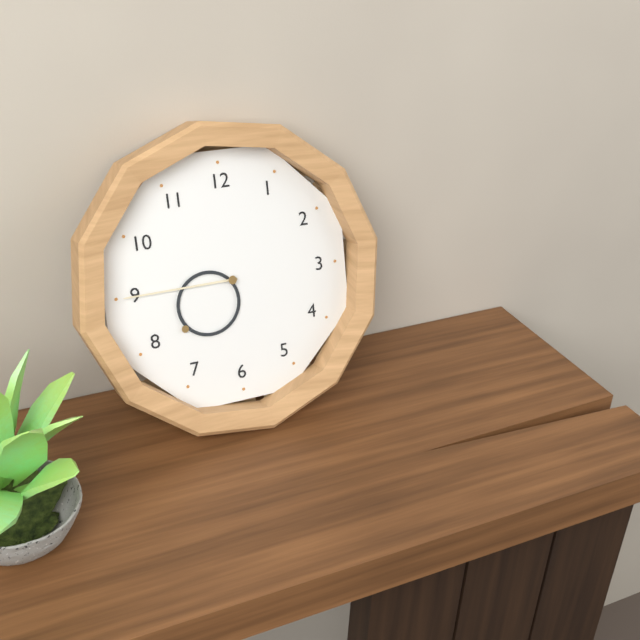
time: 7:45
